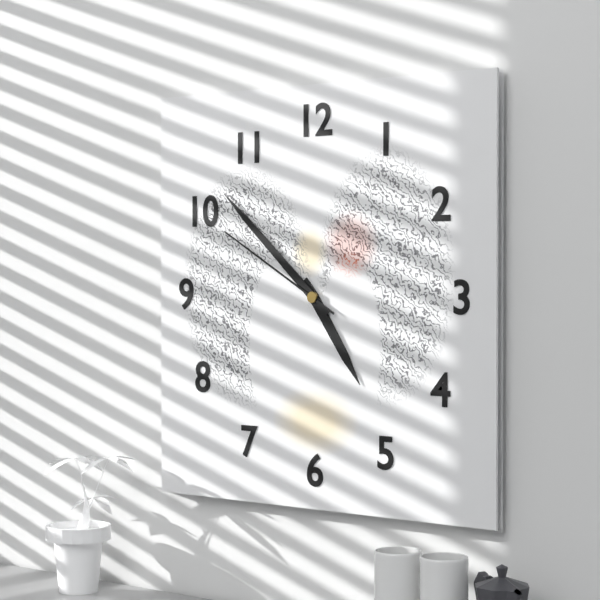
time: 4:52:50
